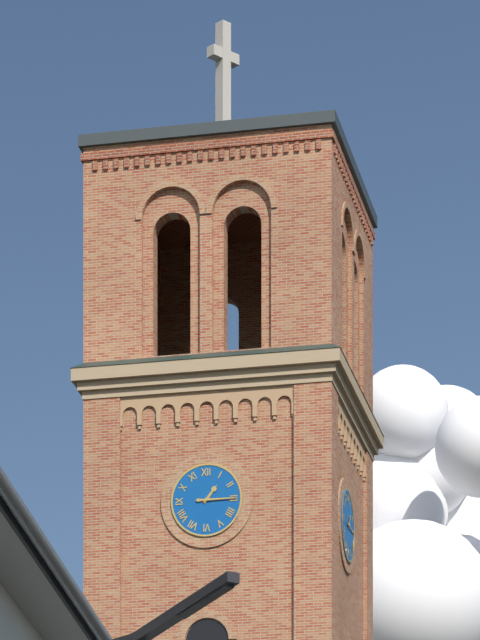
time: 1:15
